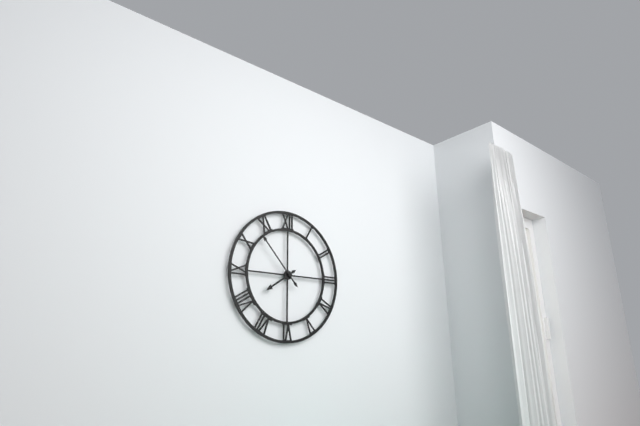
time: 7:53
